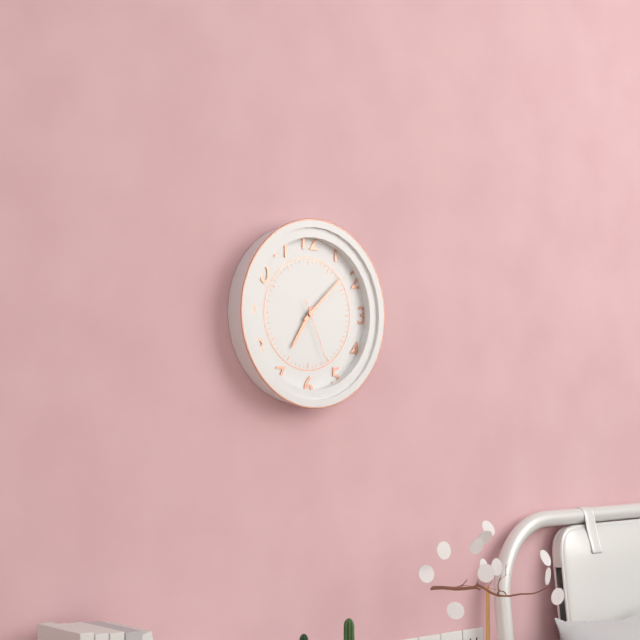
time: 7:08:26
